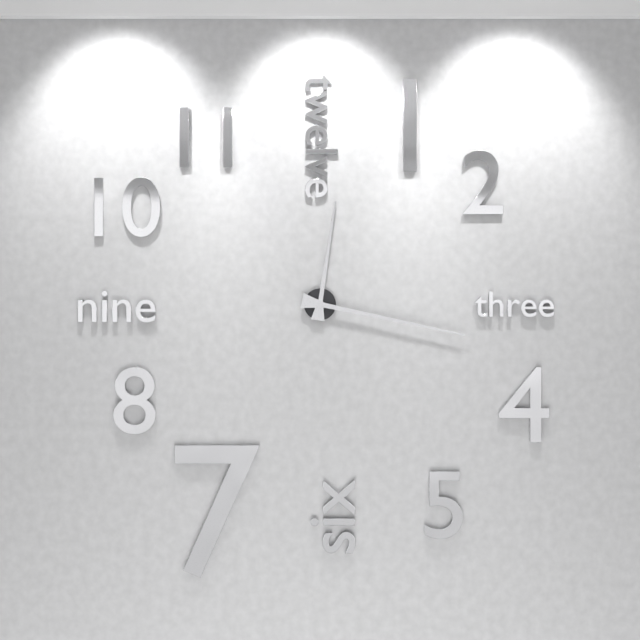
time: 12:17
